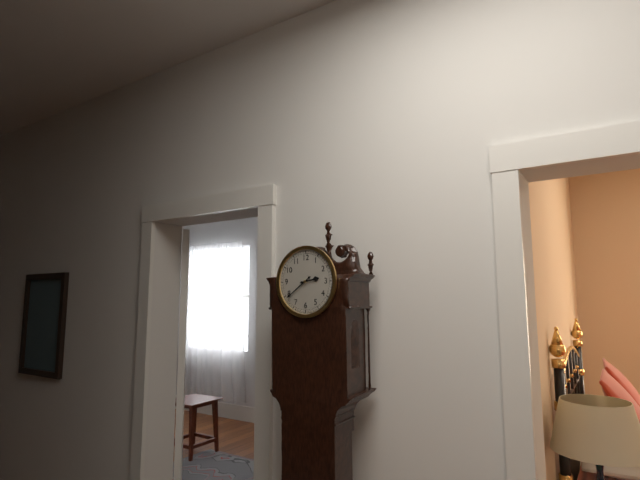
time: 2:39
